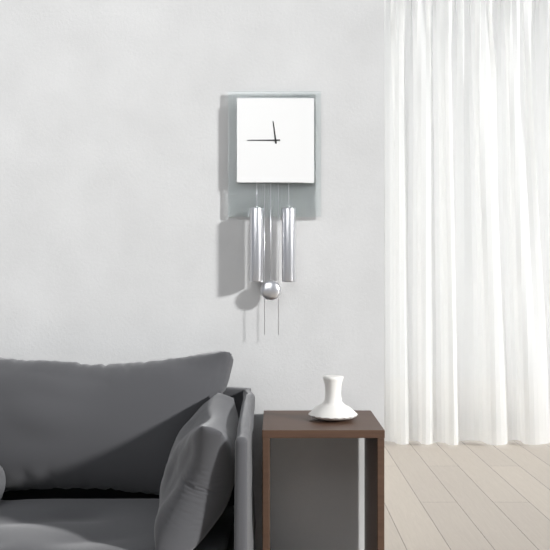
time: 11:45
